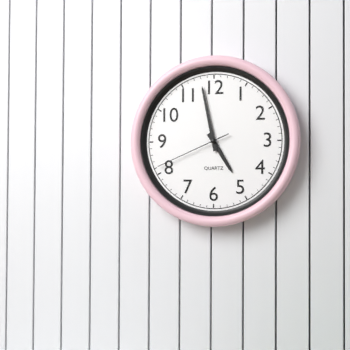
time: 4:58:41
